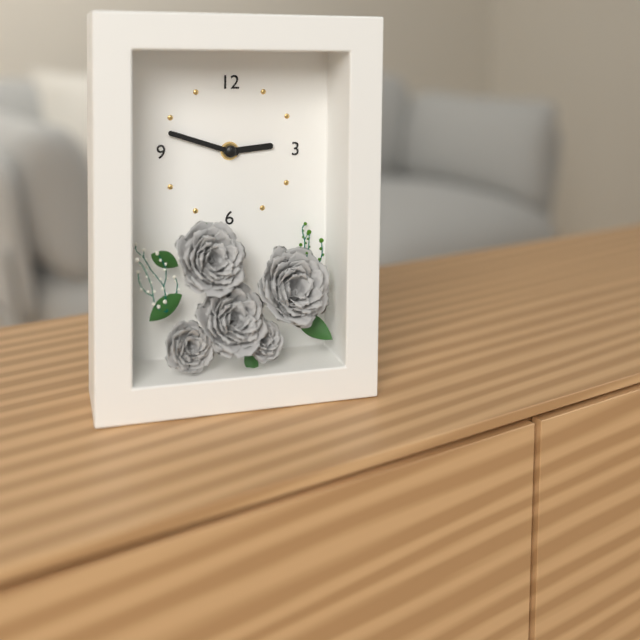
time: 2:48
